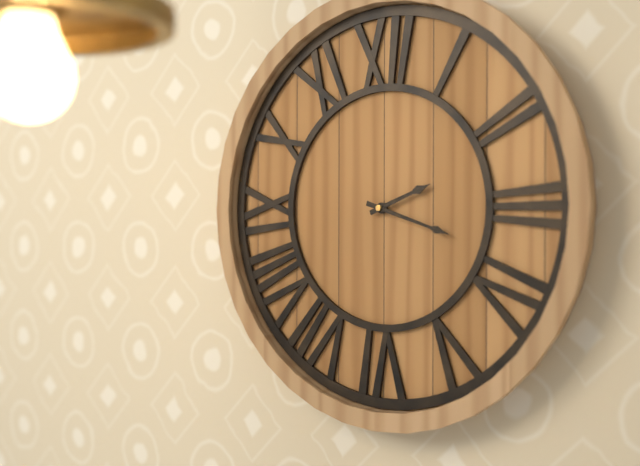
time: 2:18
